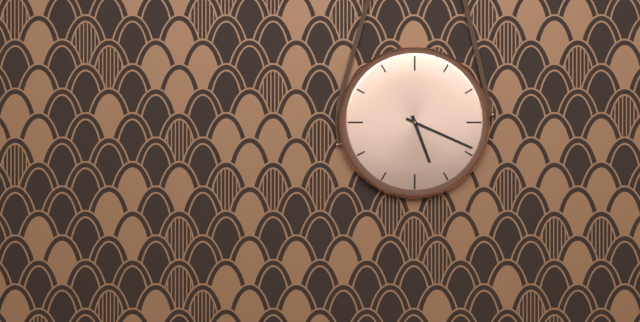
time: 5:19
